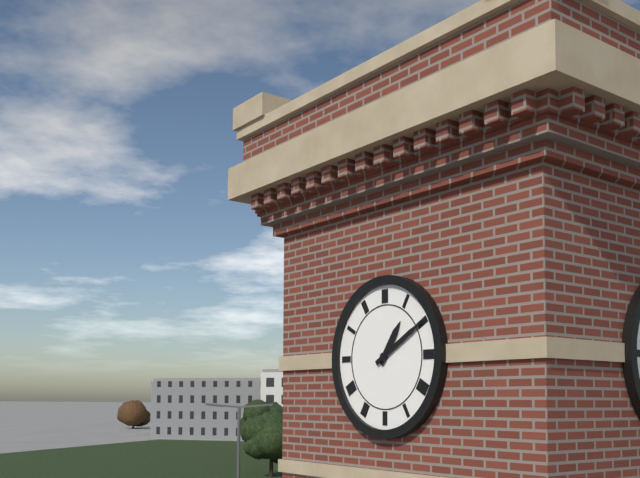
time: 1:10
